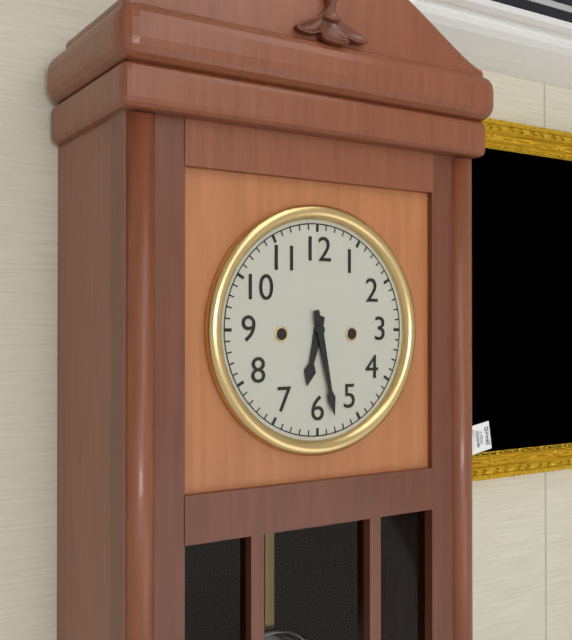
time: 6:28
